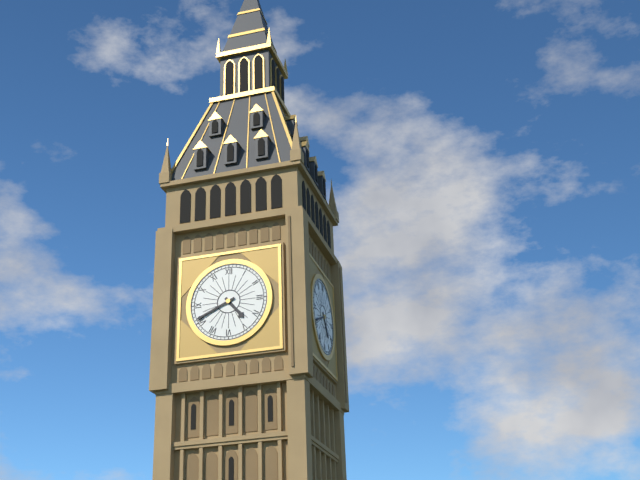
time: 4:41
